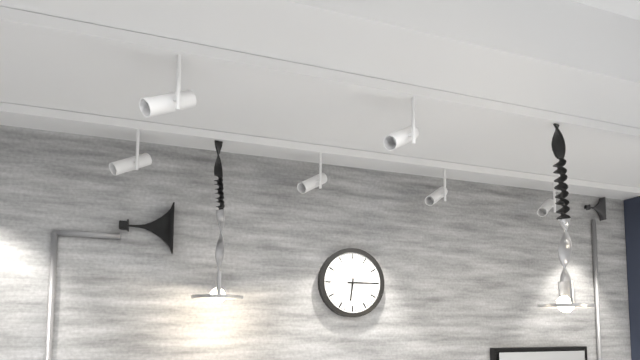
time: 6:15
